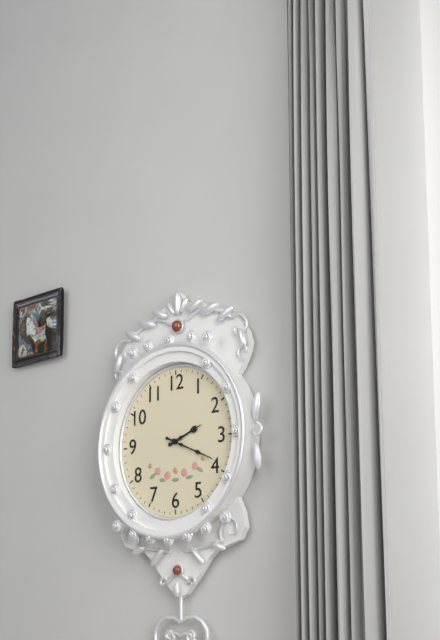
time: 2:19
